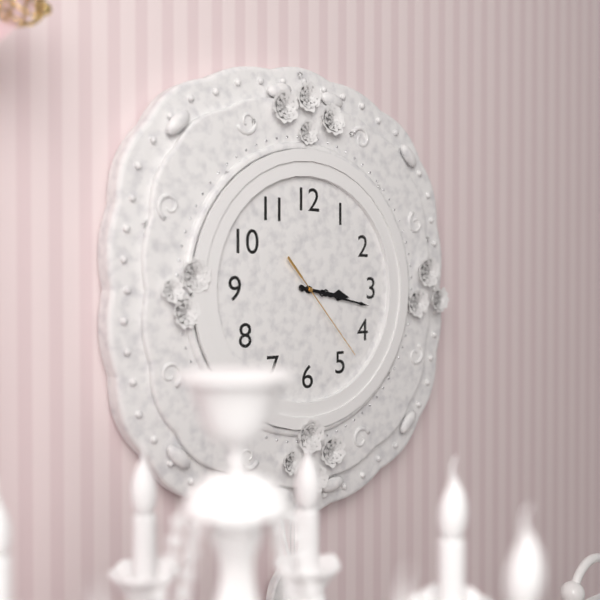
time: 3:17:23
